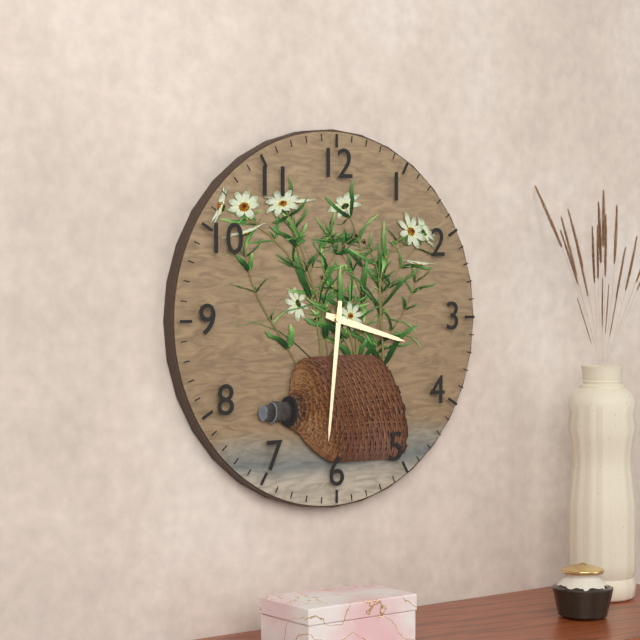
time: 3:31
